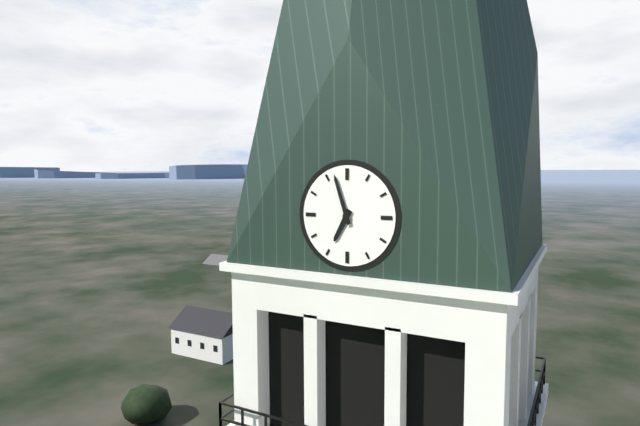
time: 6:57
